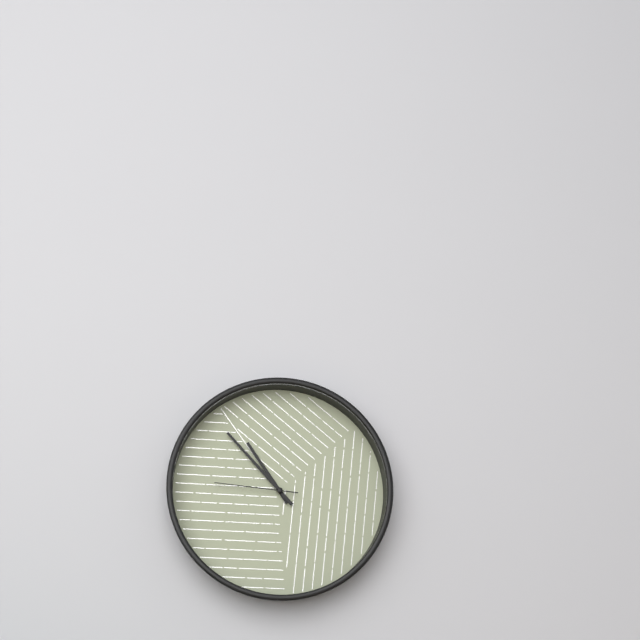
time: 10:53:46
